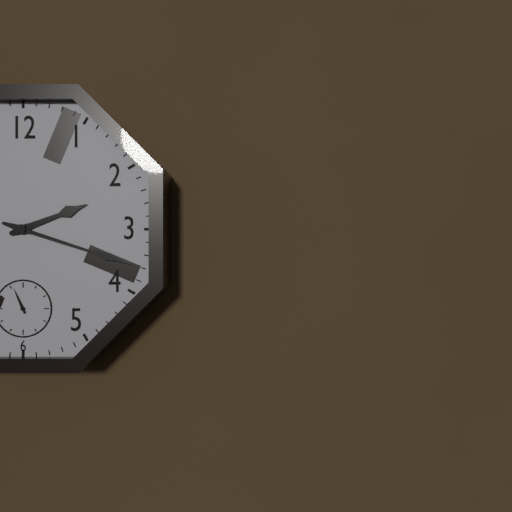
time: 2:18
